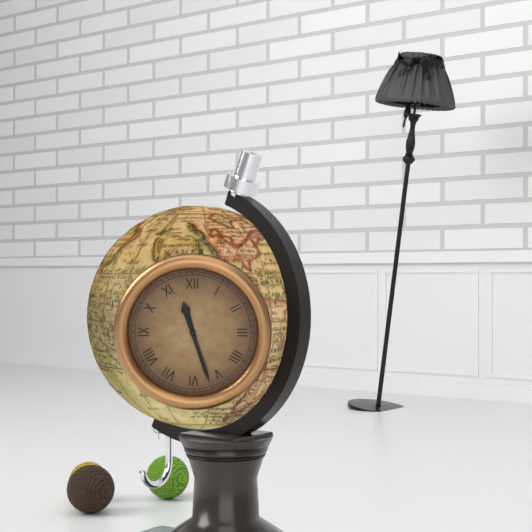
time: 11:27
